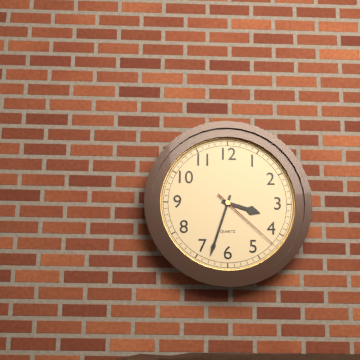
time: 3:33:22
